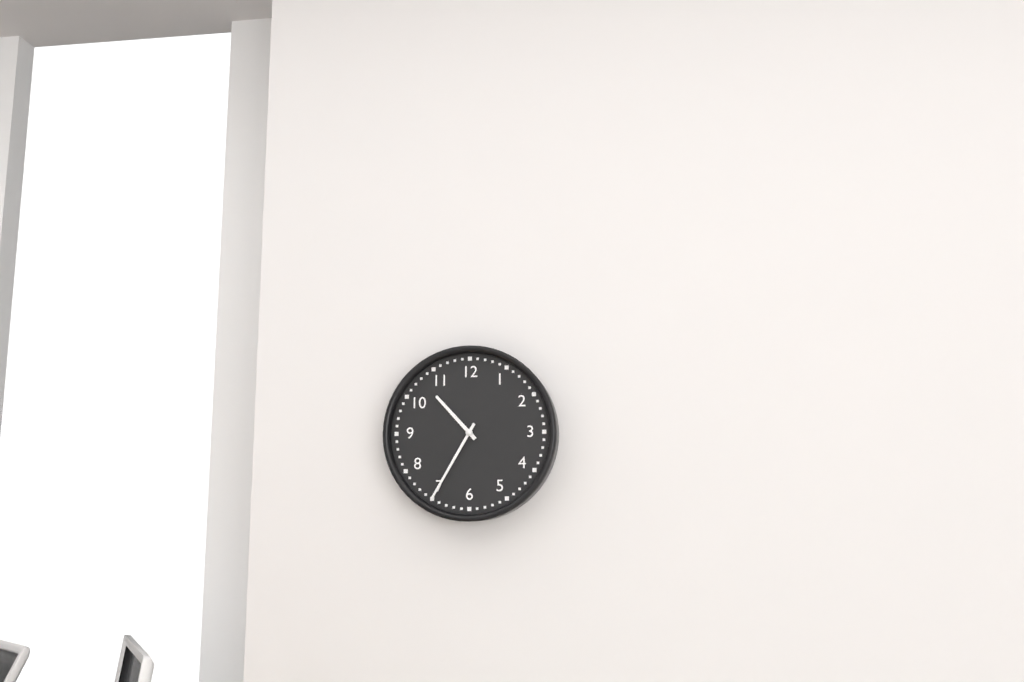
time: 10:35
